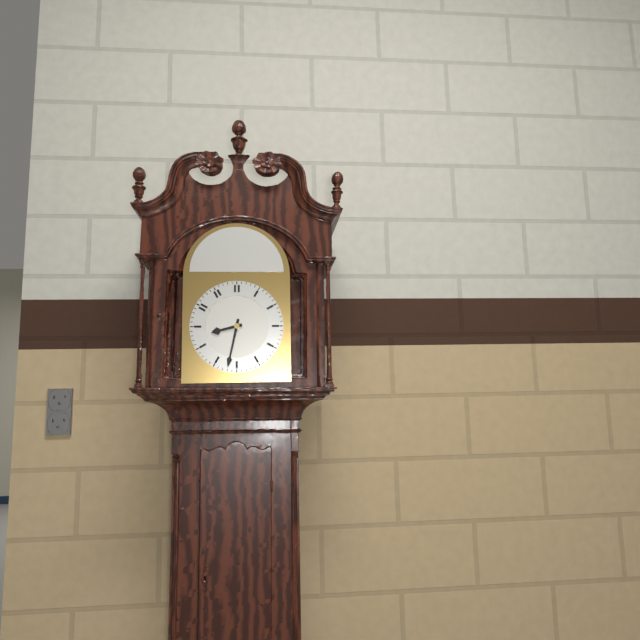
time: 8:32
